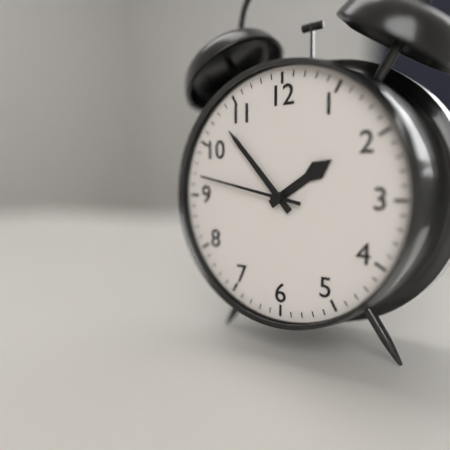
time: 1:53:47
